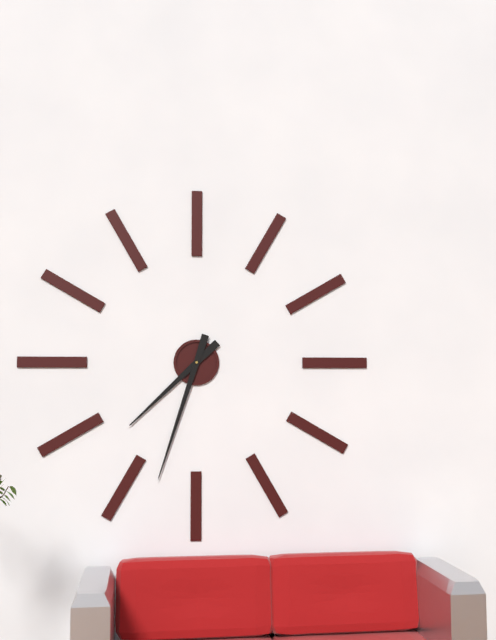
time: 7:33
